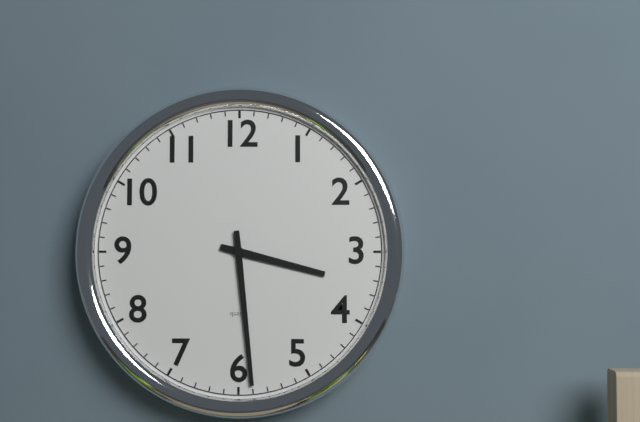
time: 3:29
